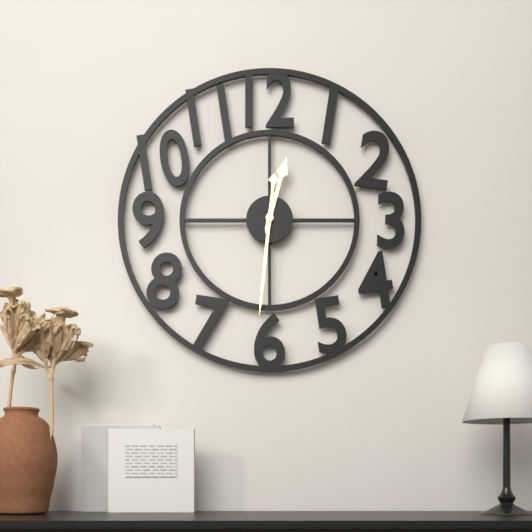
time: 12:31
